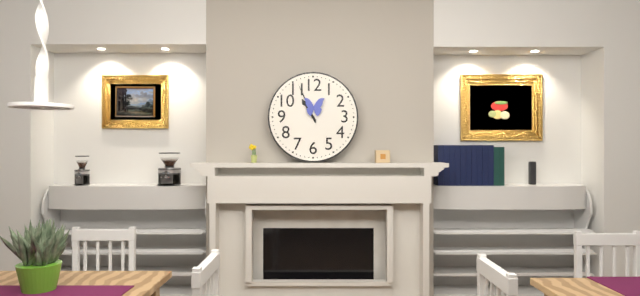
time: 10:56
